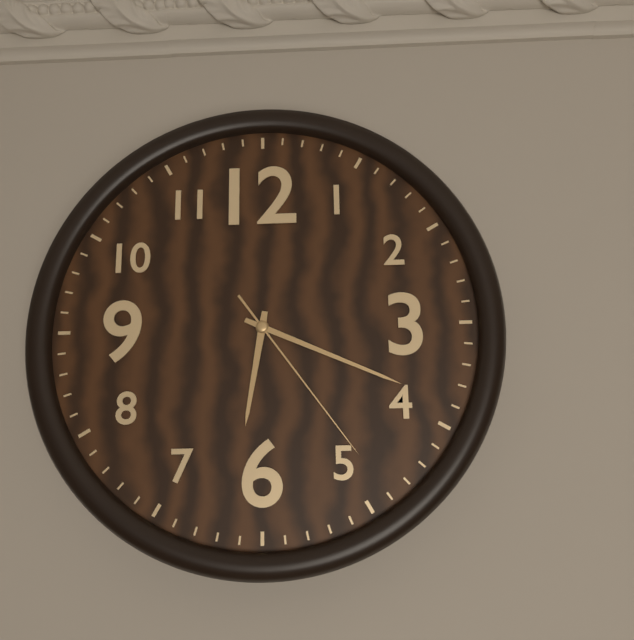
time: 6:19:24
